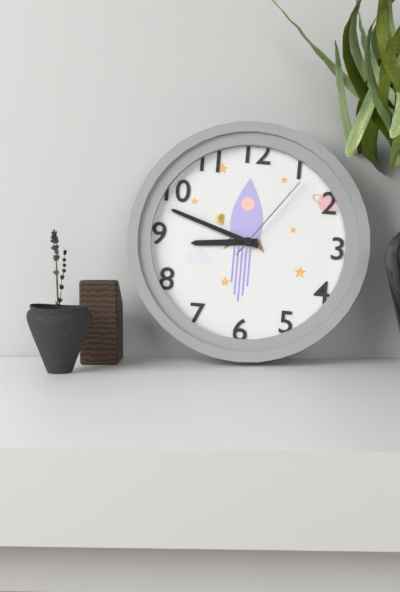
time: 8:48:06
